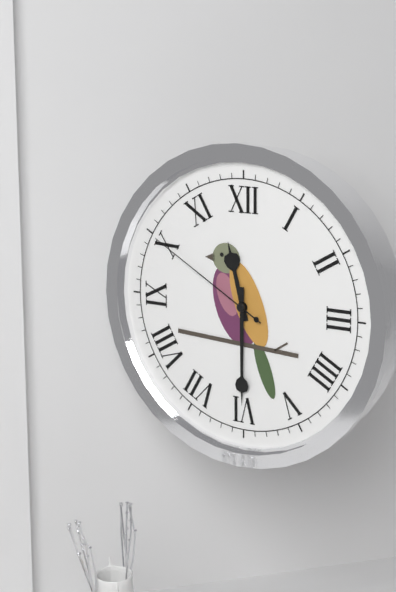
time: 11:30:50
